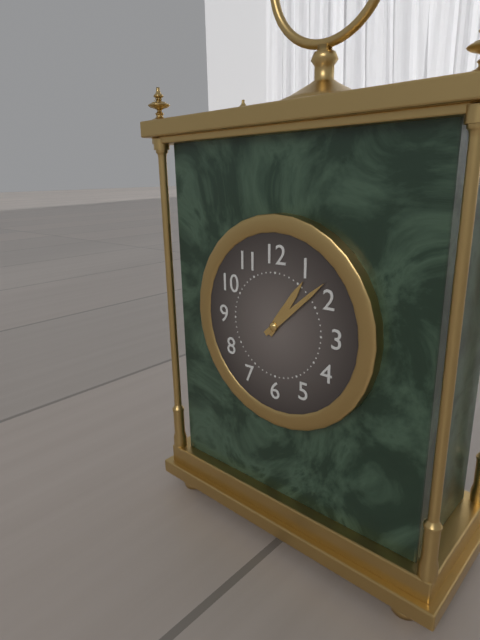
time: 1:08
